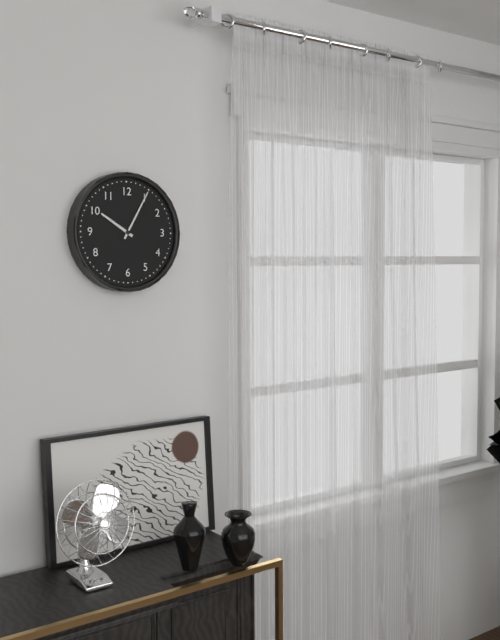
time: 10:05
